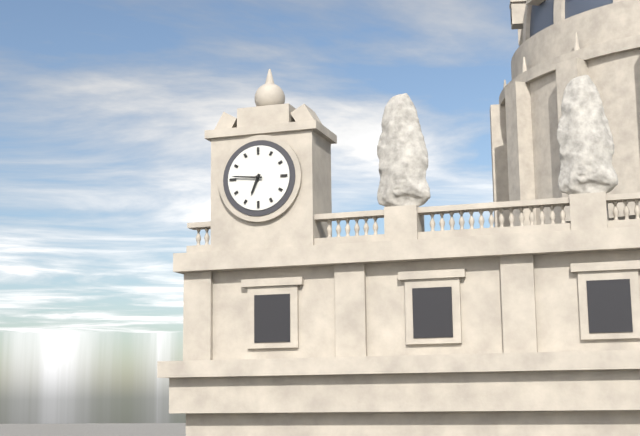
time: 6:46
